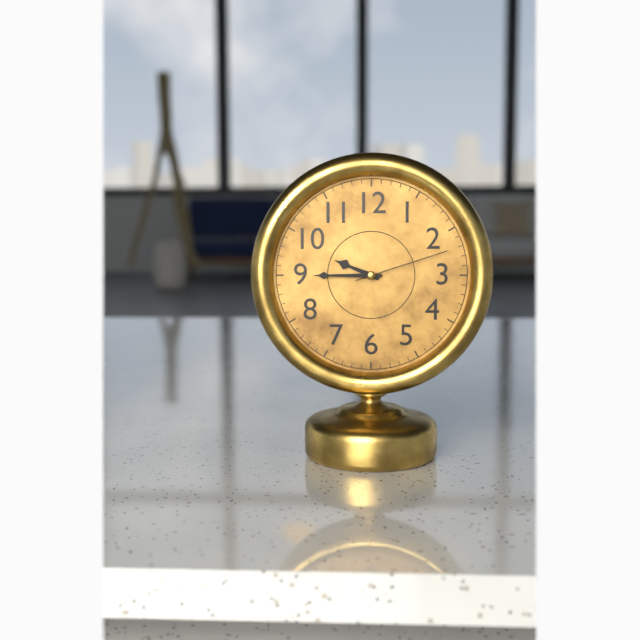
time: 9:45:12
